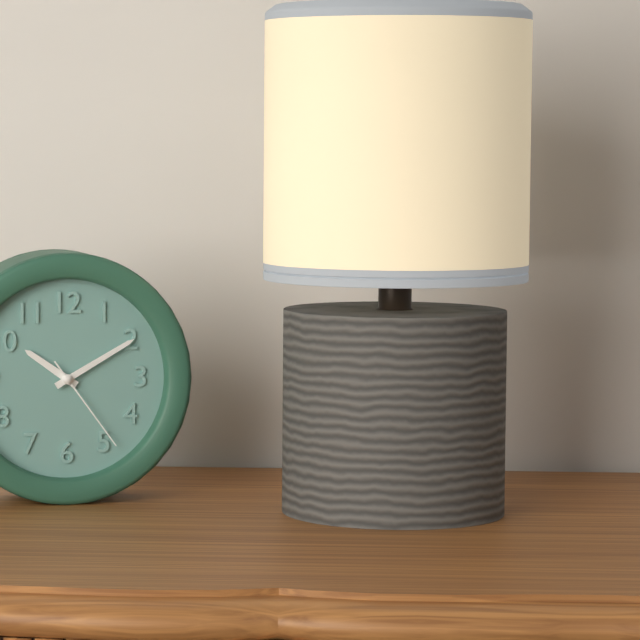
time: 10:10:24
